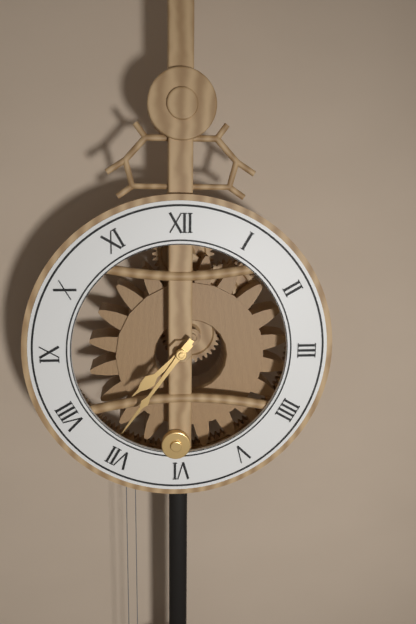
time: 7:36
